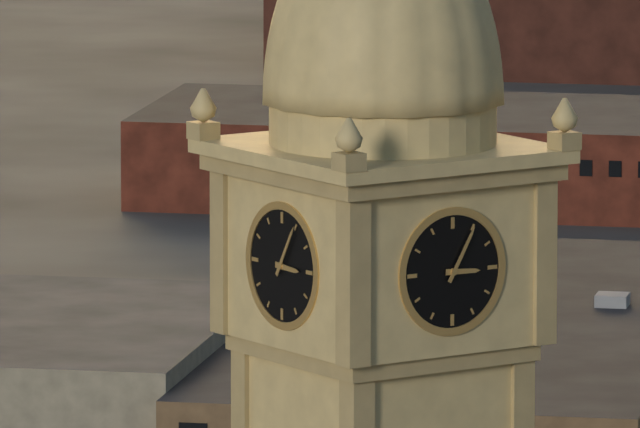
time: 3:05
